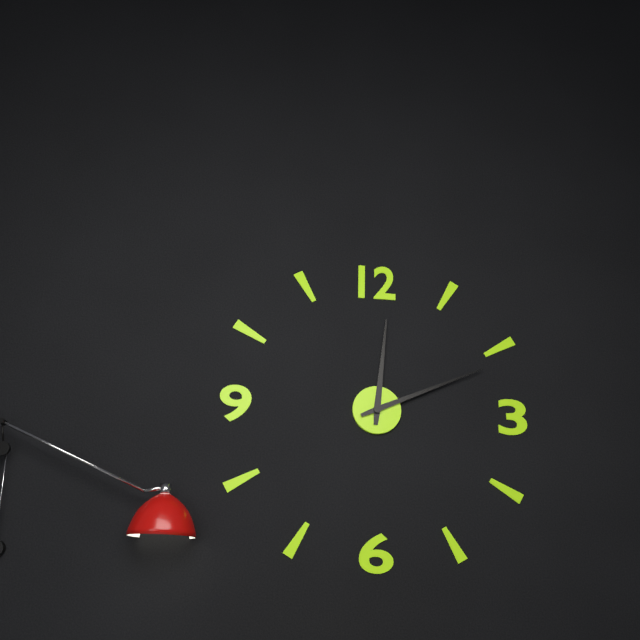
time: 12:11
